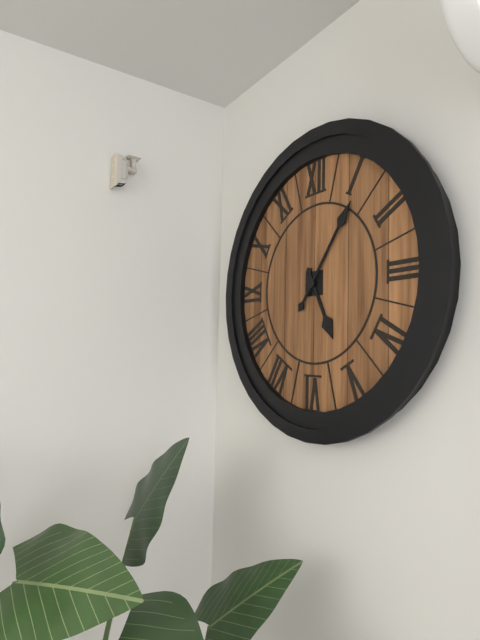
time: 5:06
